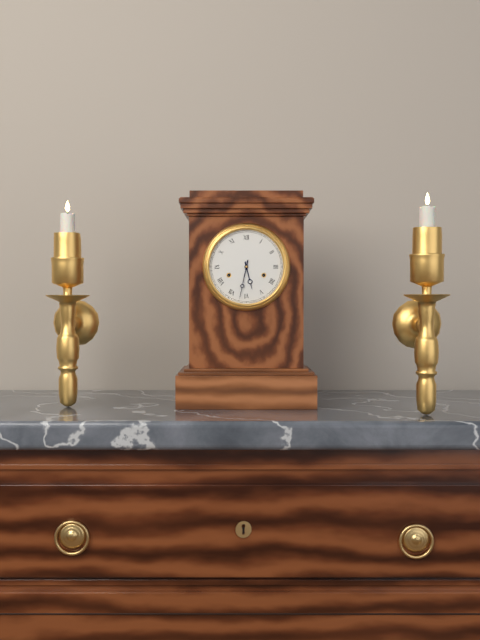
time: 5:32
